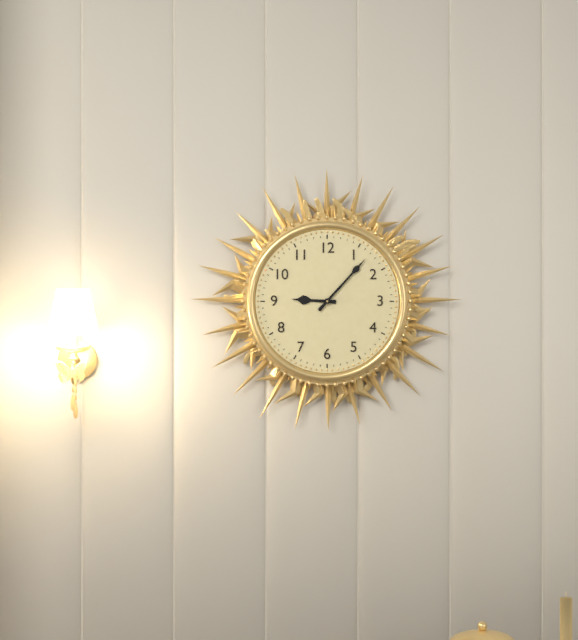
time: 9:07
